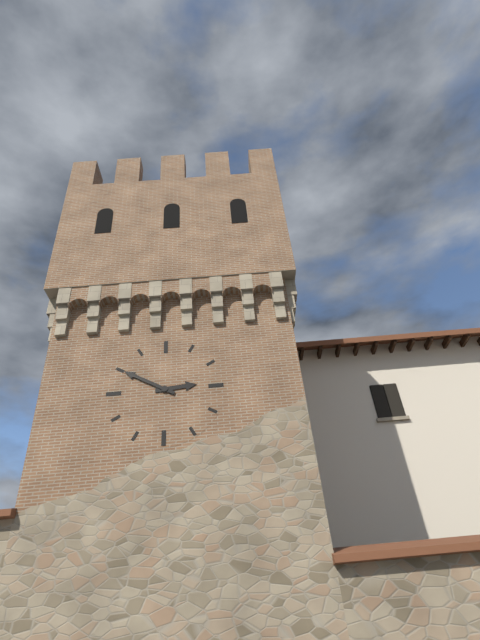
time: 2:50
